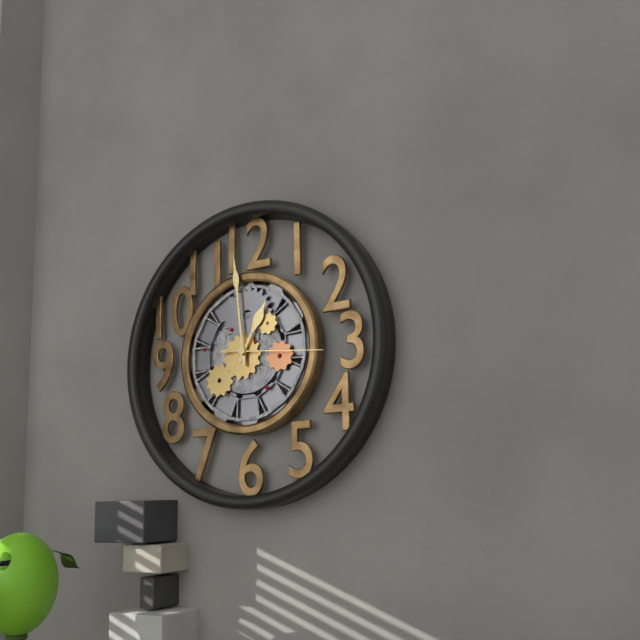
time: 12:59:16
